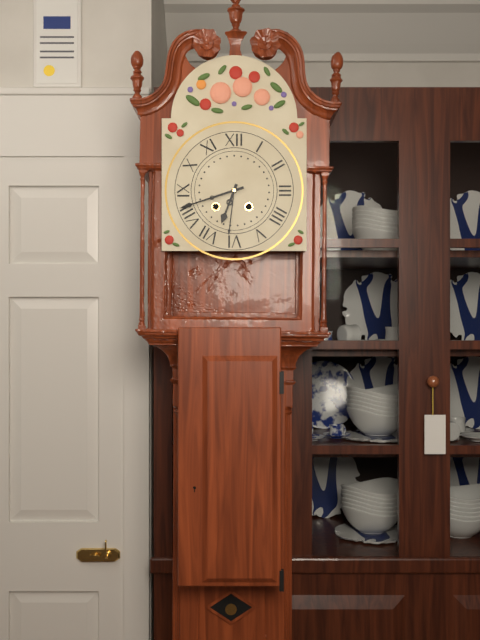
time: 6:42
